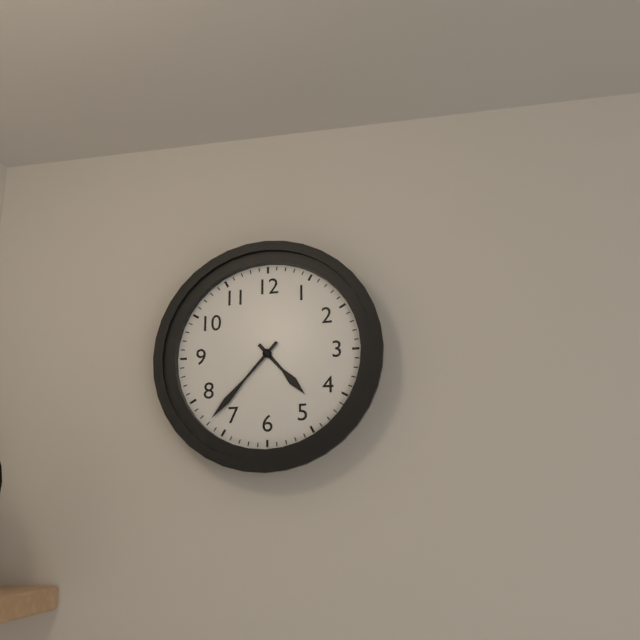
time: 4:37
